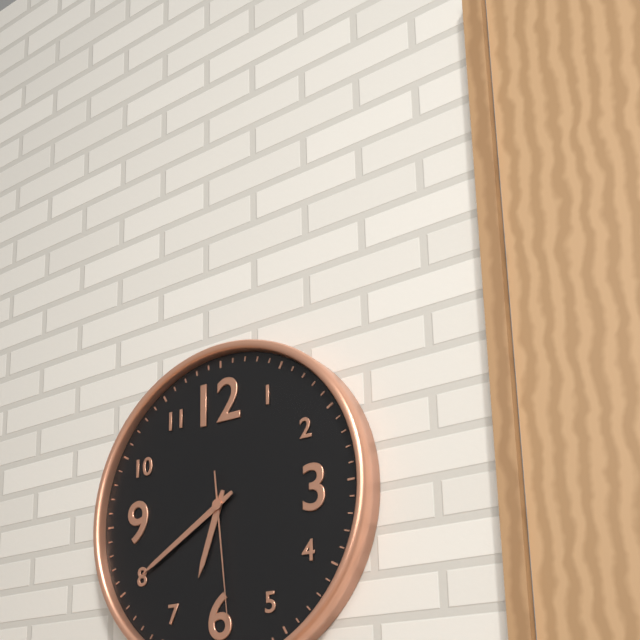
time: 6:40:29
